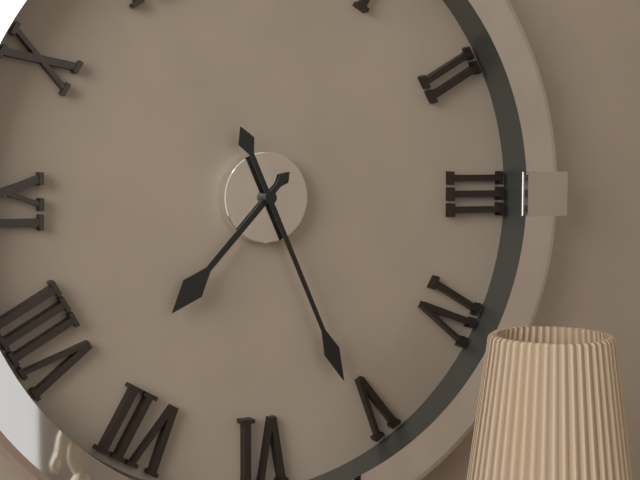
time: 7:26
